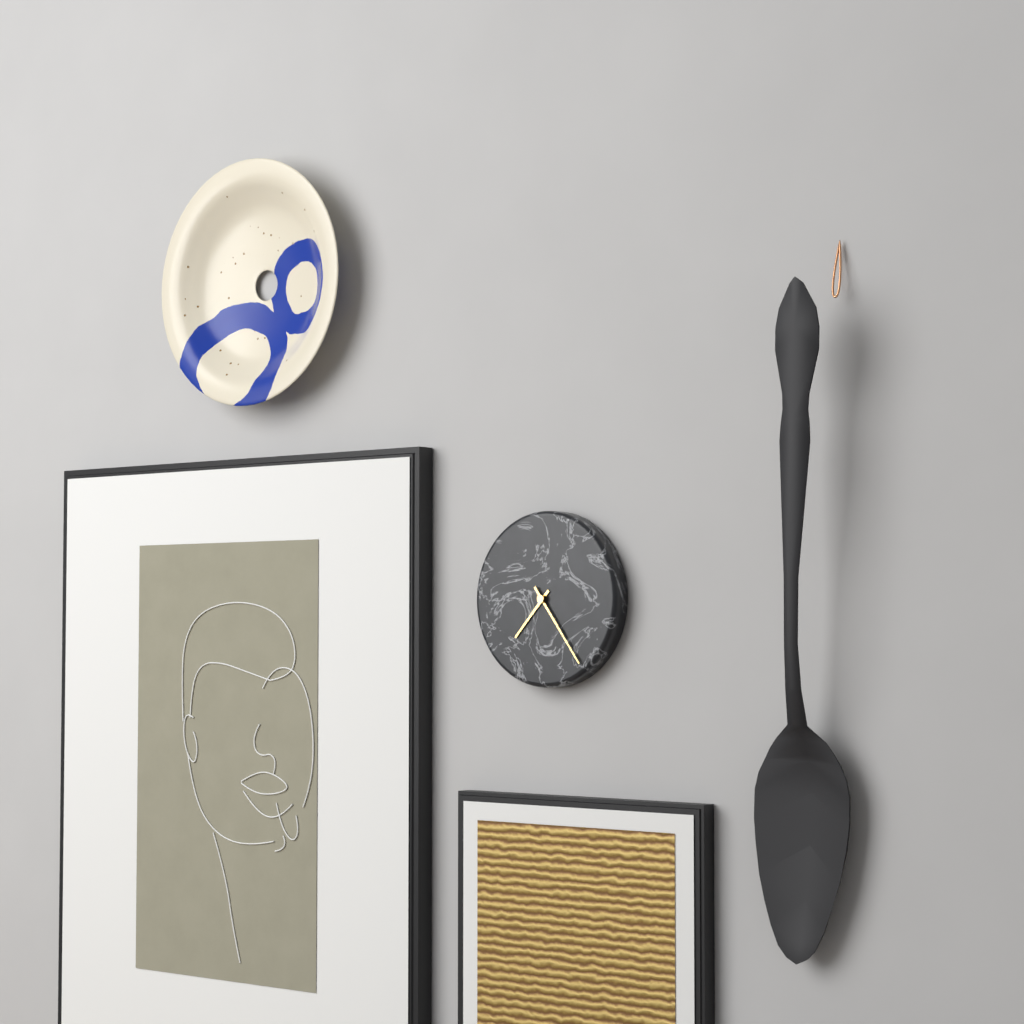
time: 7:24
